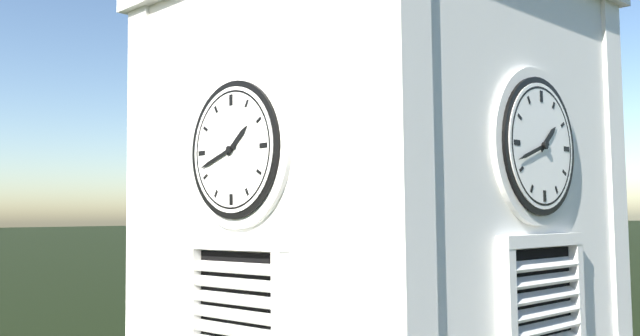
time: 1:42
